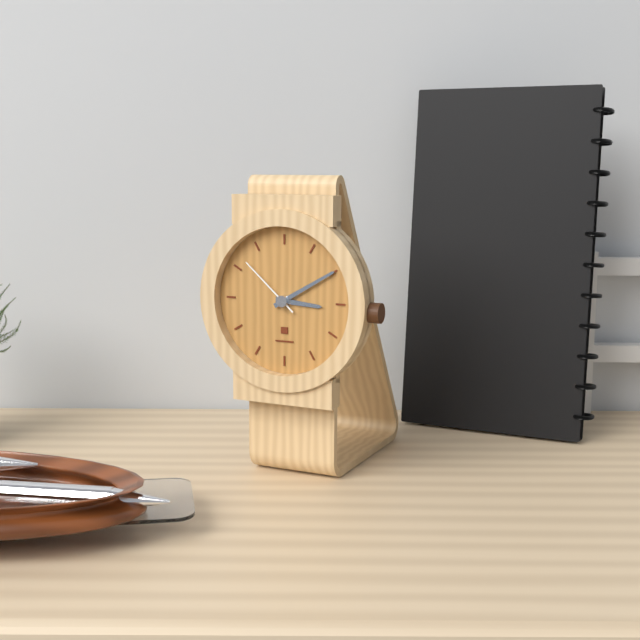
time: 3:10:52
